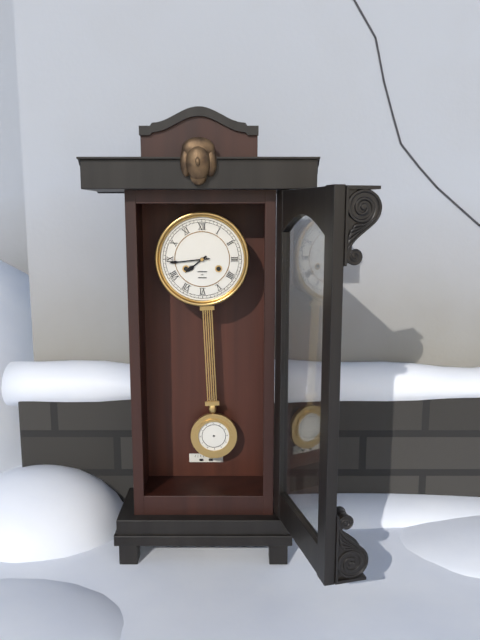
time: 7:44
